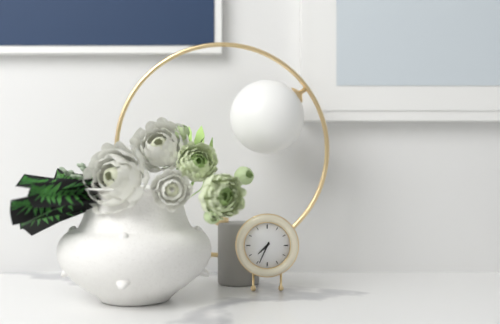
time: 7:34
